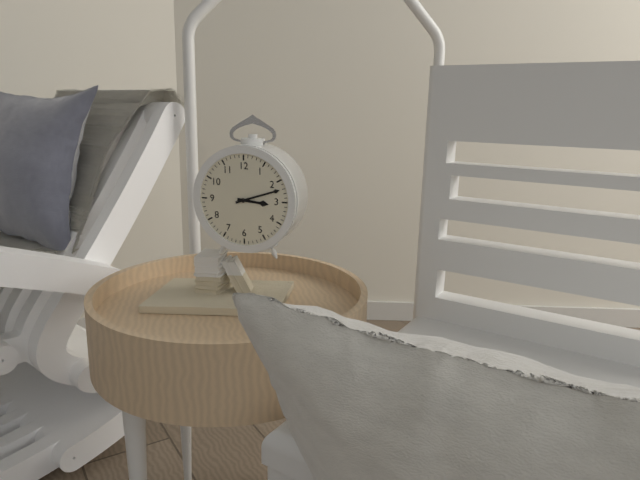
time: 3:12
